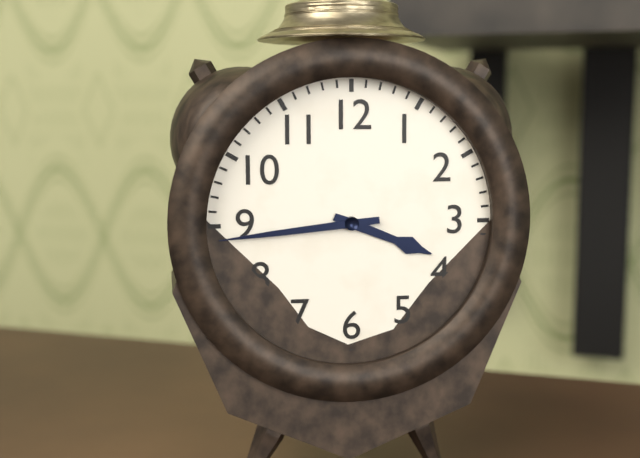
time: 3:44
